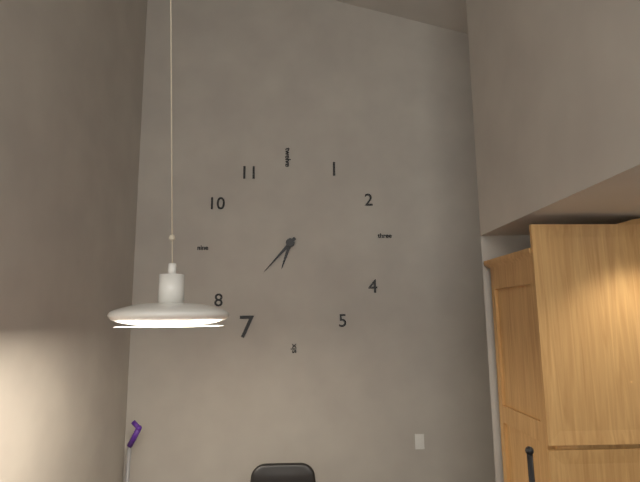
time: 6:37
